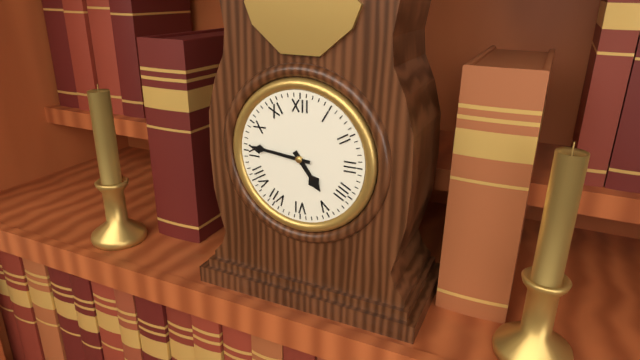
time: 4:46
